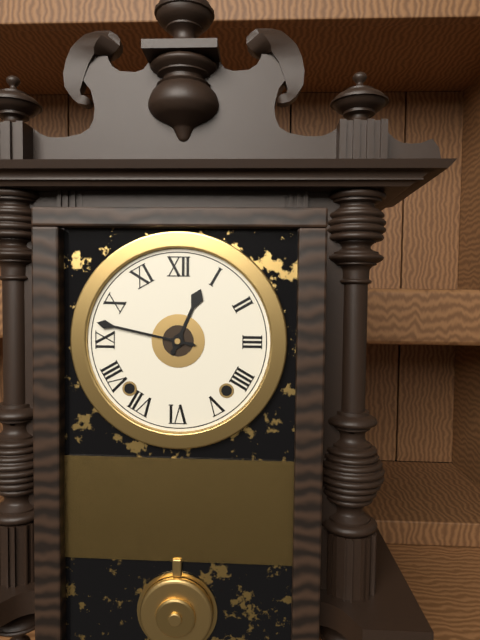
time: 12:47
